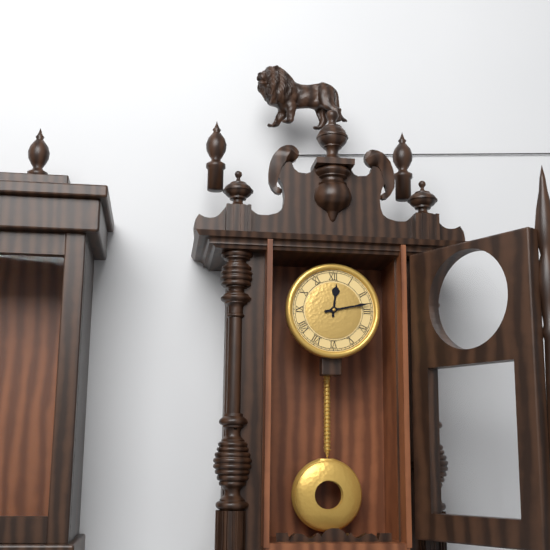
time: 12:13
